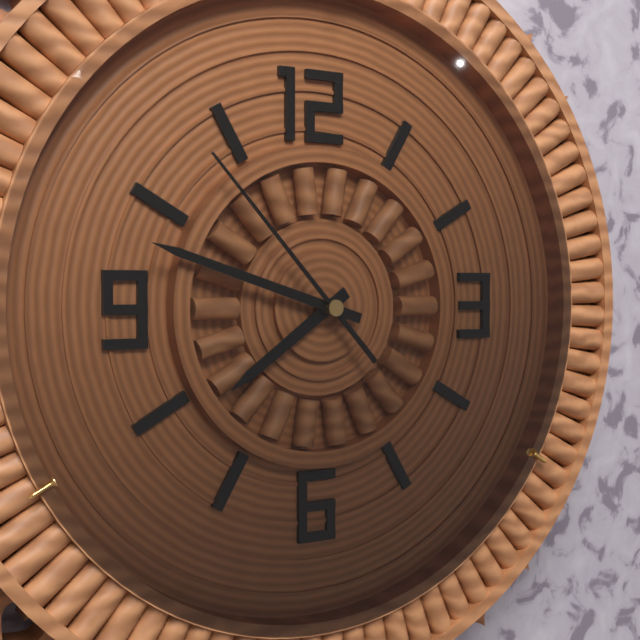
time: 7:48:53
